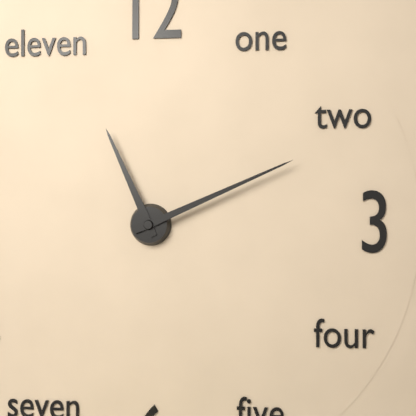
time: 11:11
